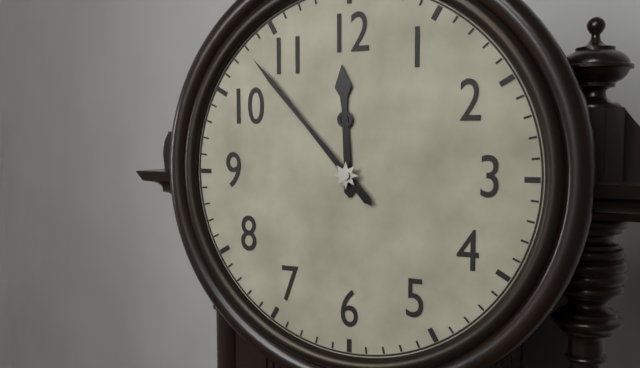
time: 11:53
